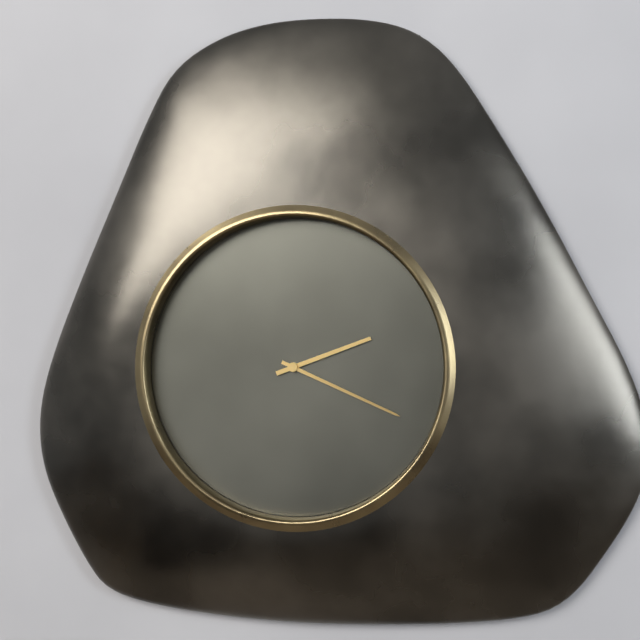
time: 2:19
